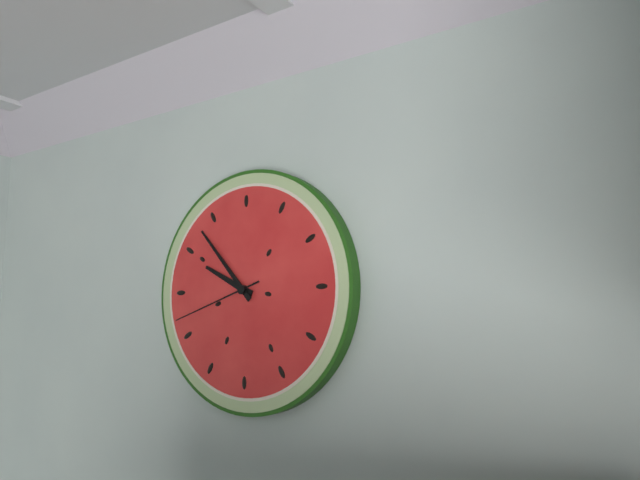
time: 9:53:42
